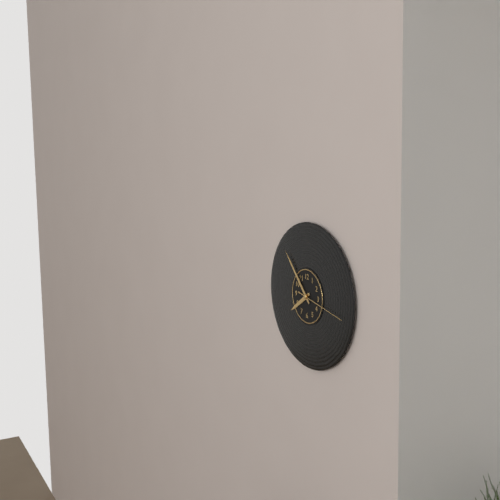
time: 7:53:17
